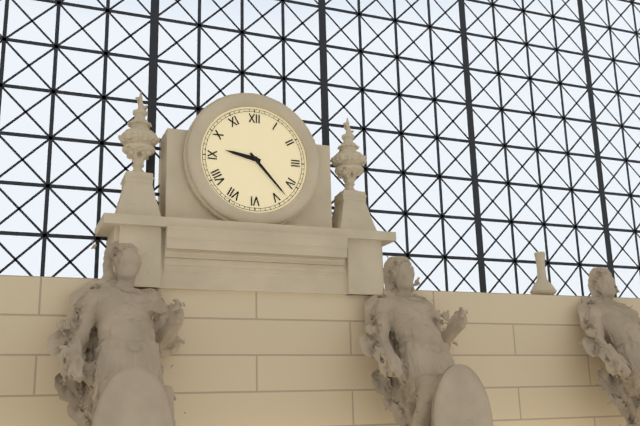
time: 9:23
